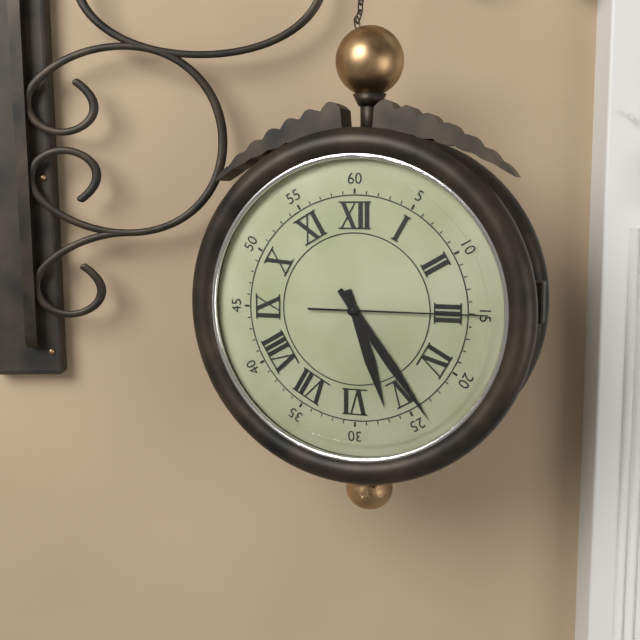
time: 5:24:15
